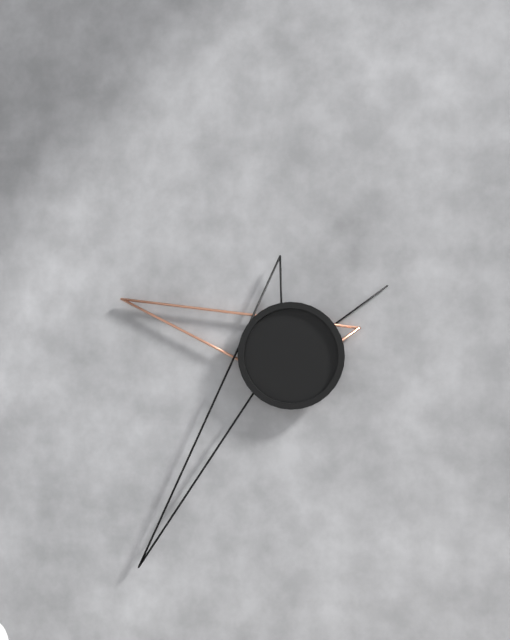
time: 9:36:09
